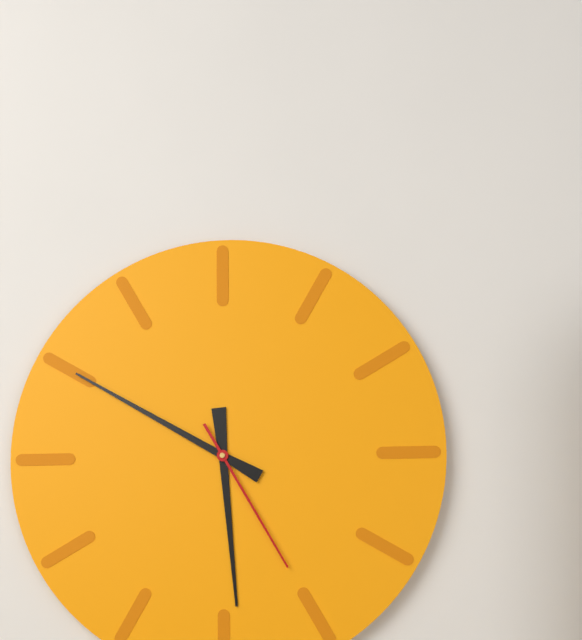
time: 5:50:25
